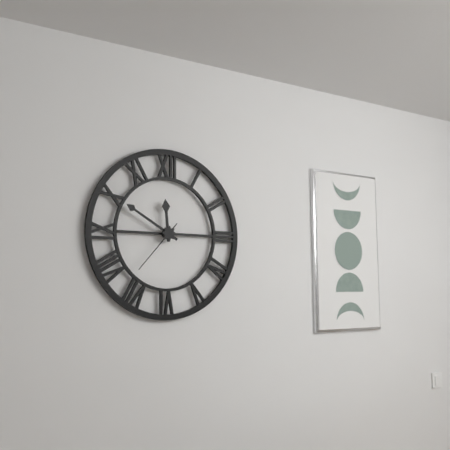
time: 11:50:37
